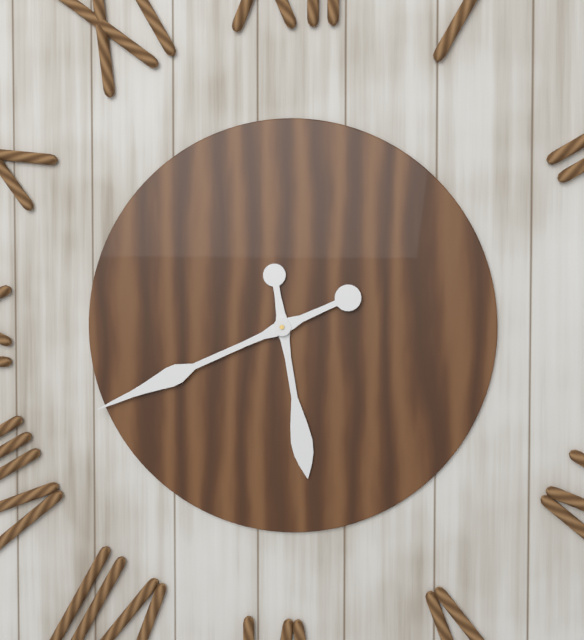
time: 5:41
